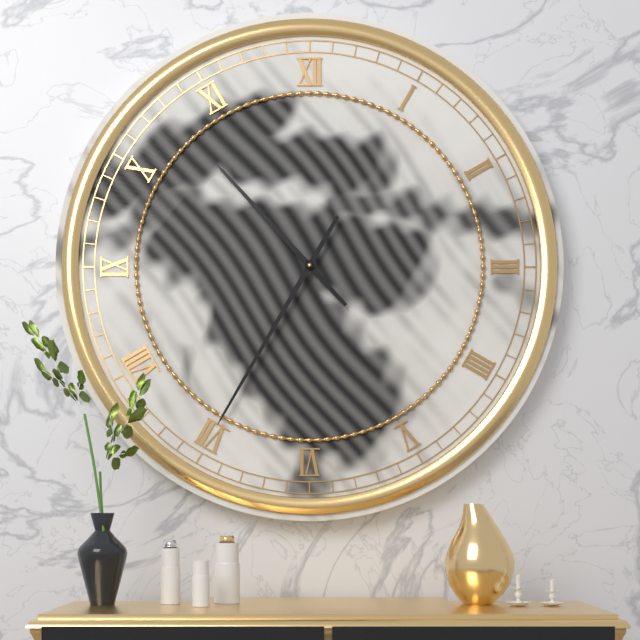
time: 10:35
